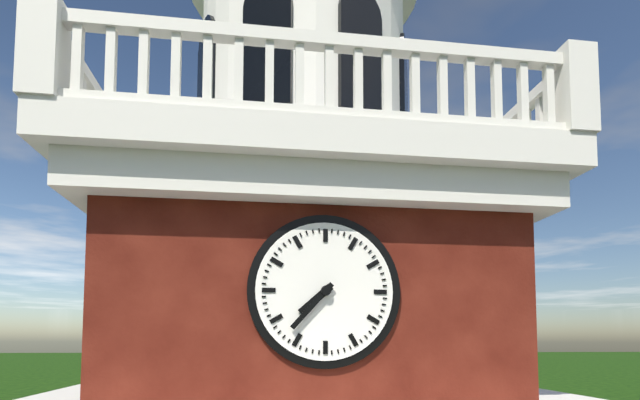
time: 7:37
